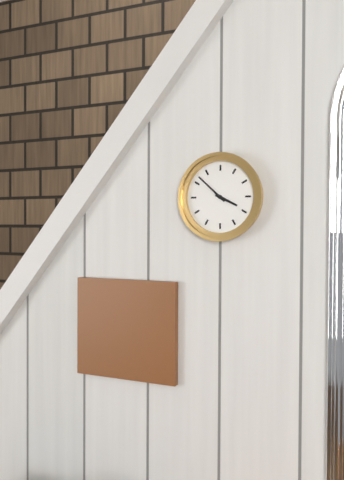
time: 3:52
